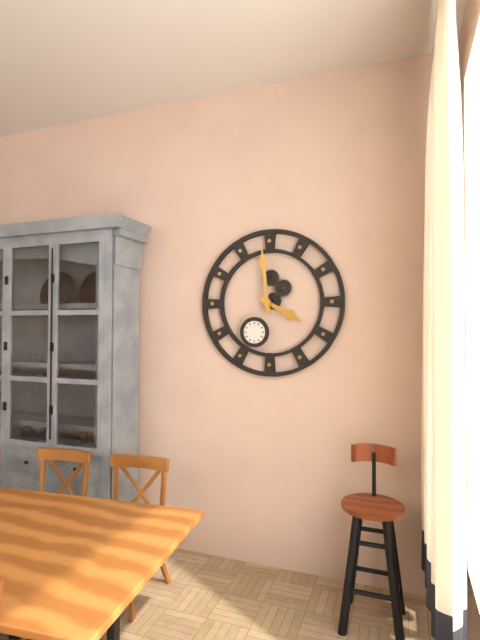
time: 3:59
